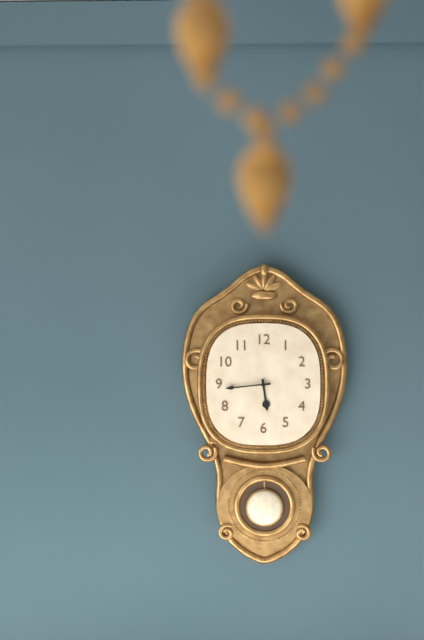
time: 5:44
